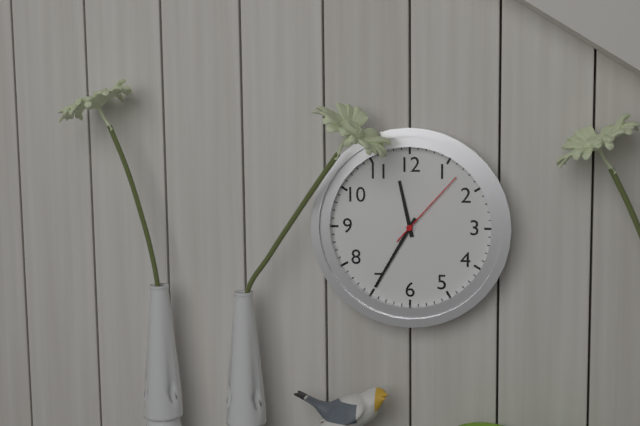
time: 11:35:07
